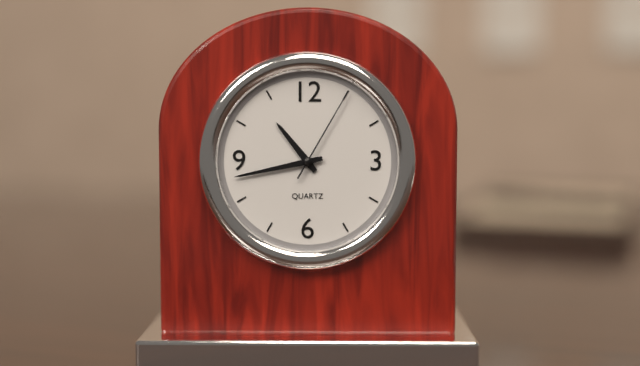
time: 10:43:05
